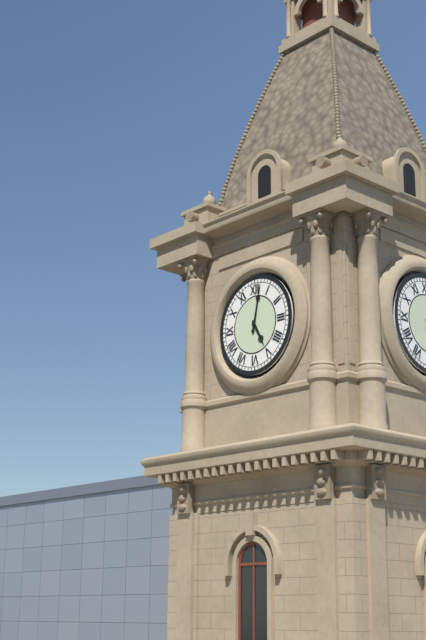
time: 5:02
